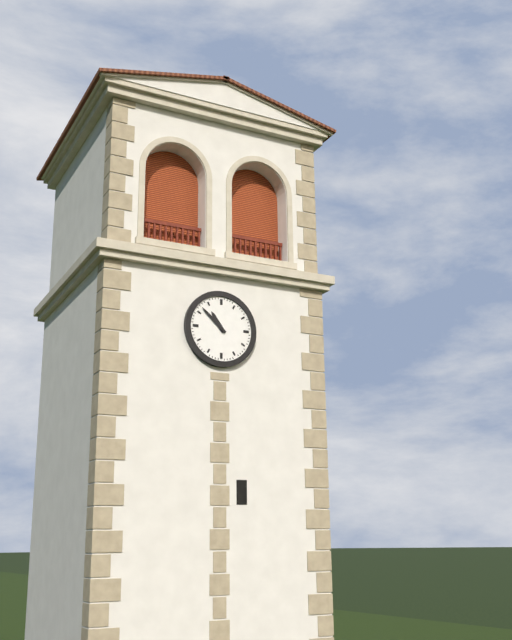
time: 10:52
